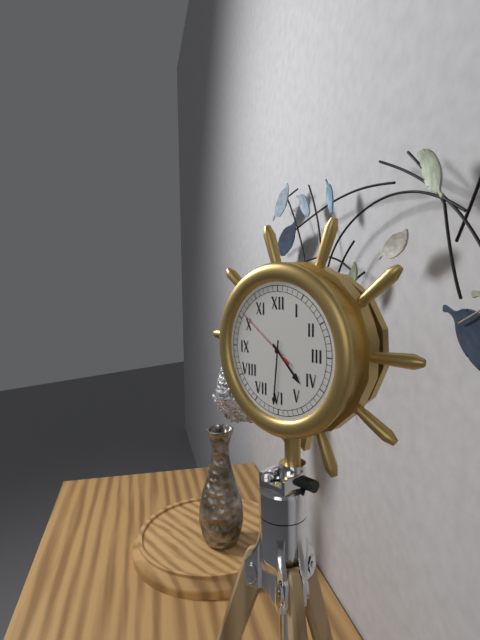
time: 4:31:51
